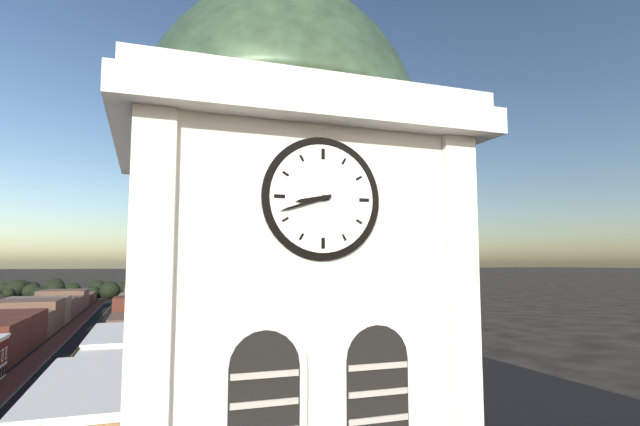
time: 8:42
